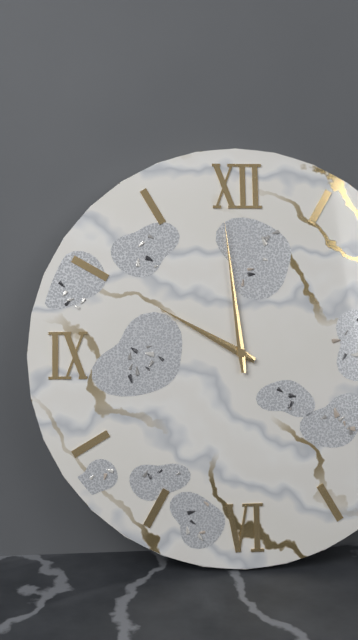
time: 9:59
